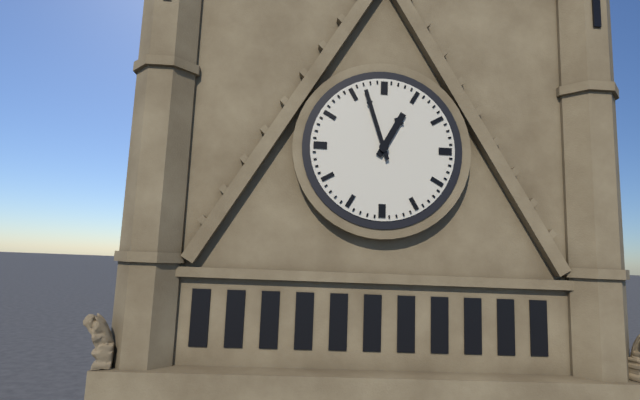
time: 12:57
